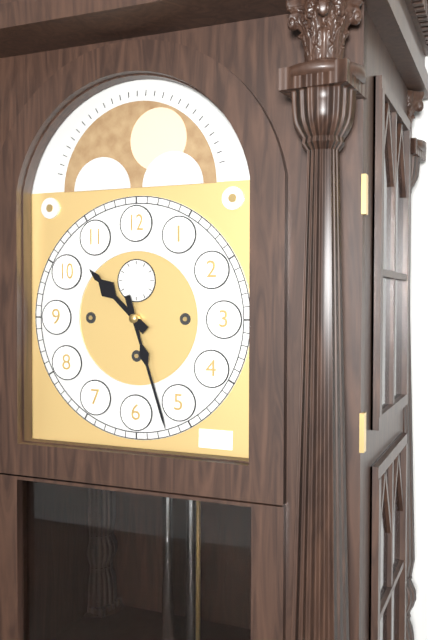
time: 10:27
